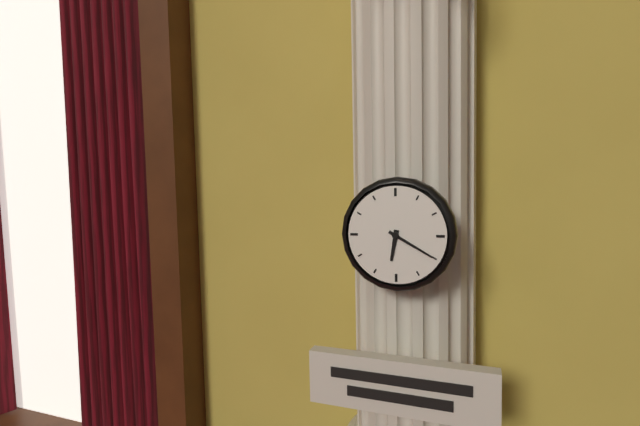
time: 6:20
